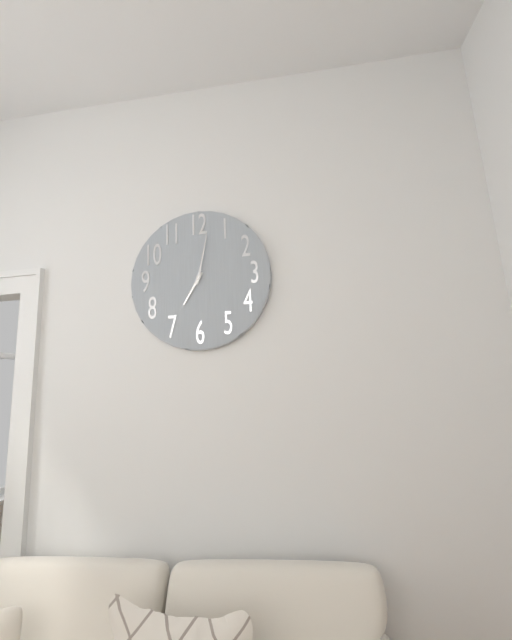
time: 7:02
